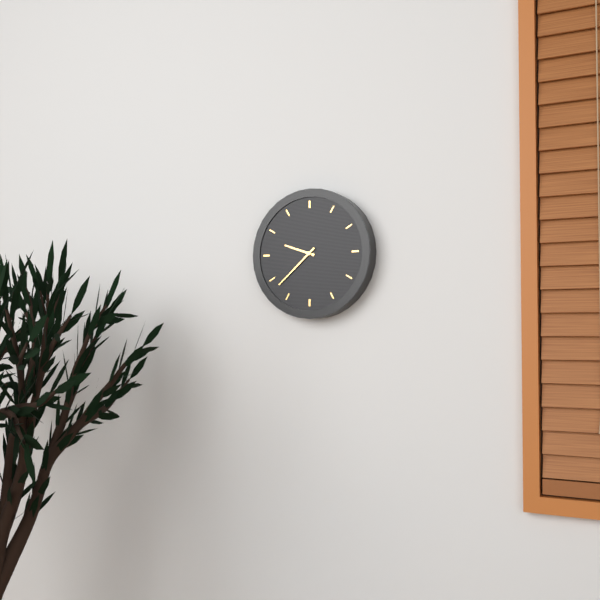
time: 9:38
